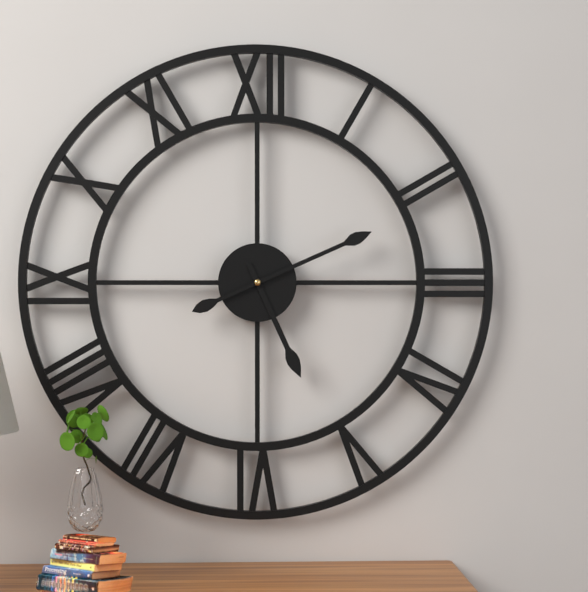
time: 5:11
